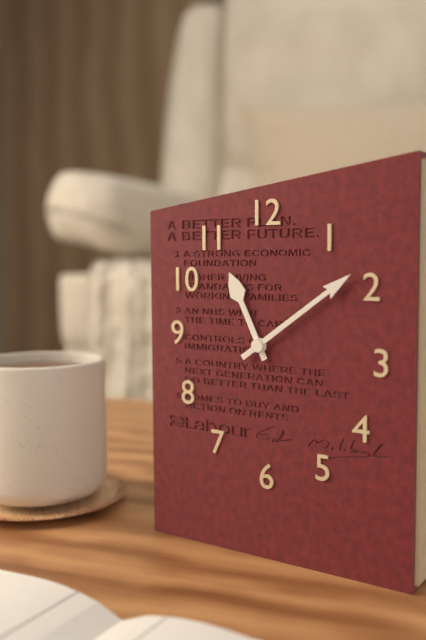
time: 11:09
